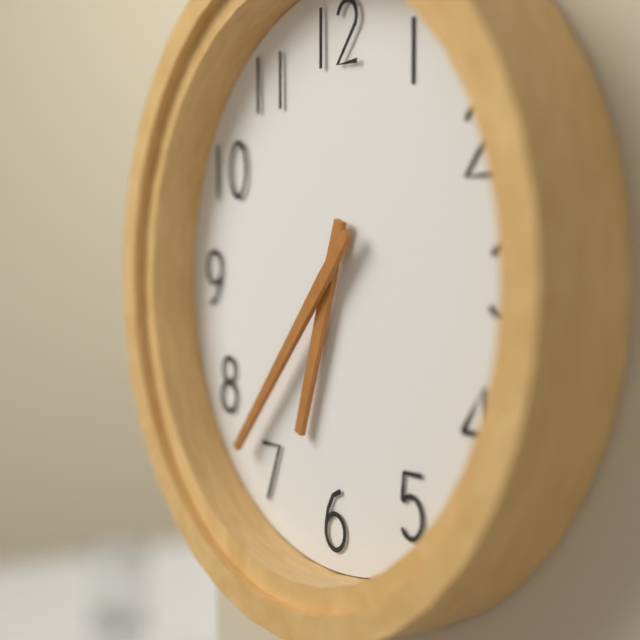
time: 6:37
